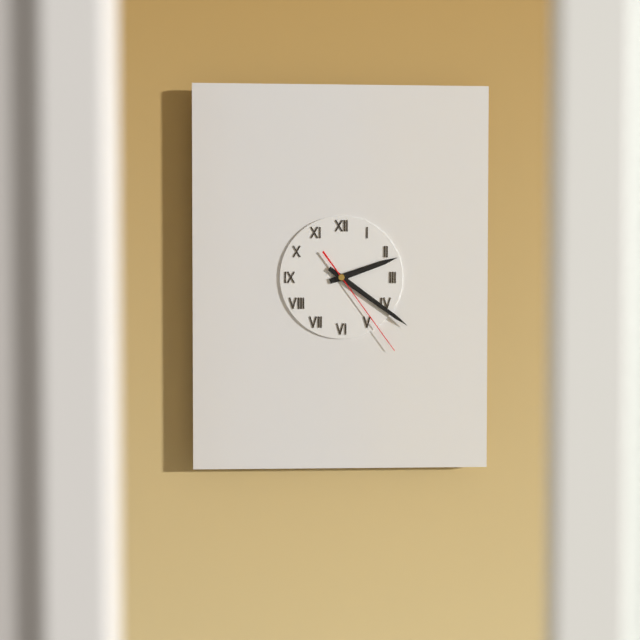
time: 2:21:24
